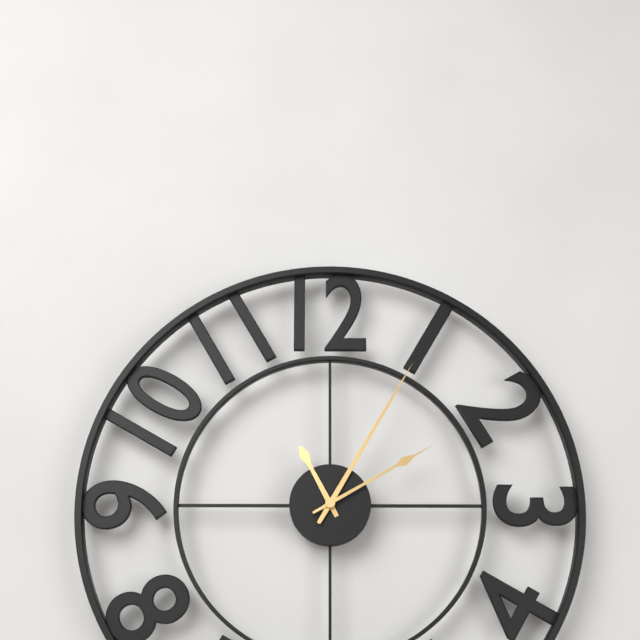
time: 11:05:10
